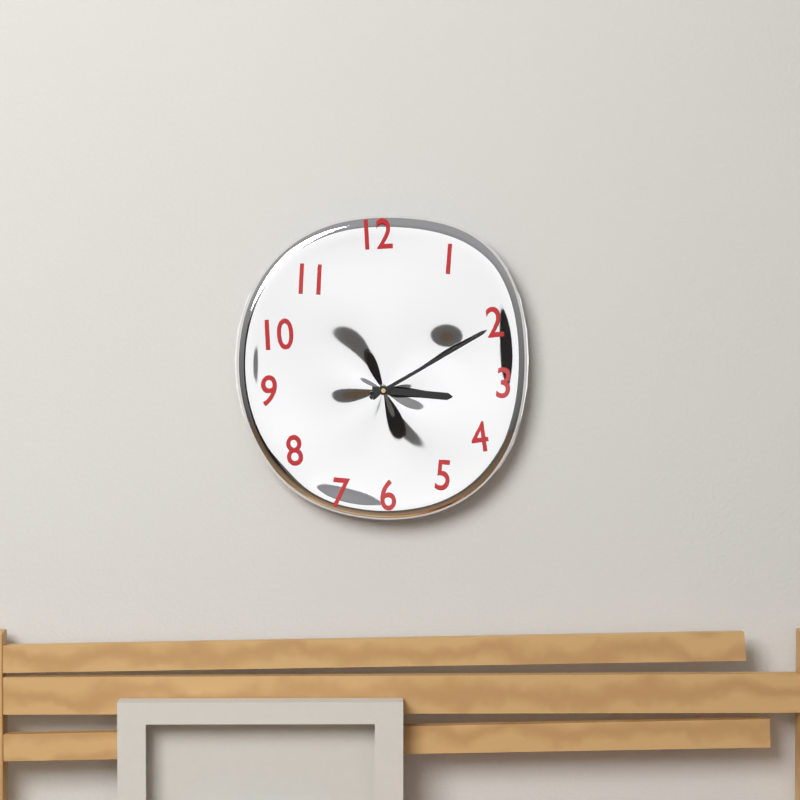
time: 3:10
